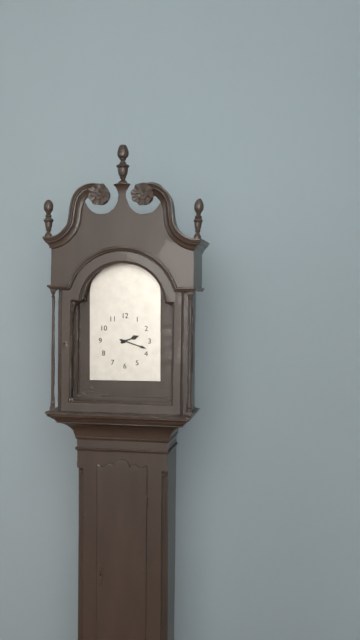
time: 2:18
